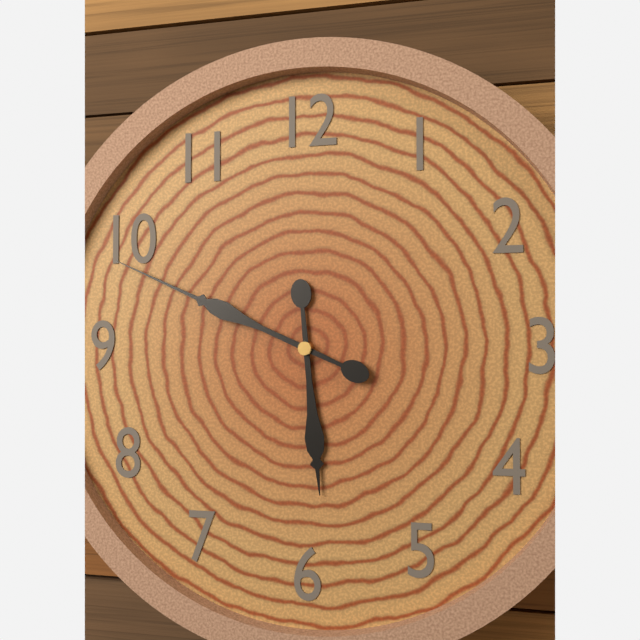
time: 5:49
